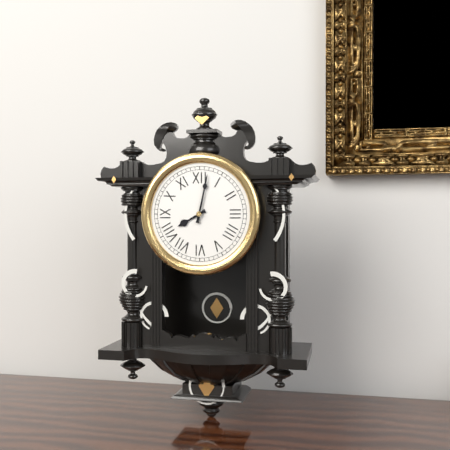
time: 8:02
